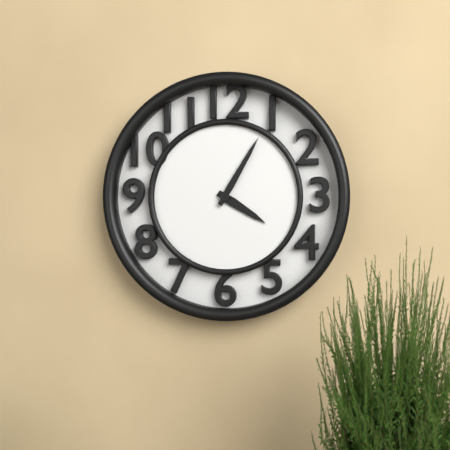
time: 4:05
